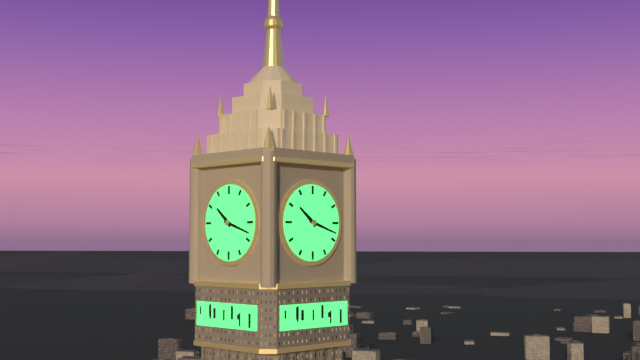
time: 10:18
